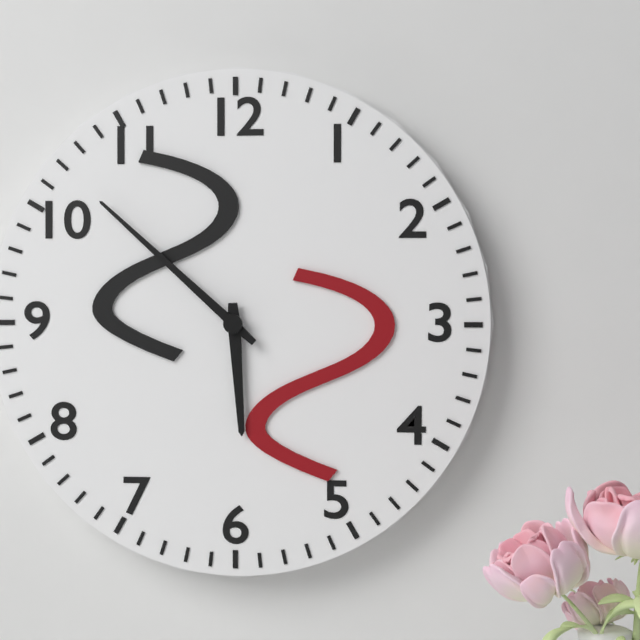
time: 5:52
